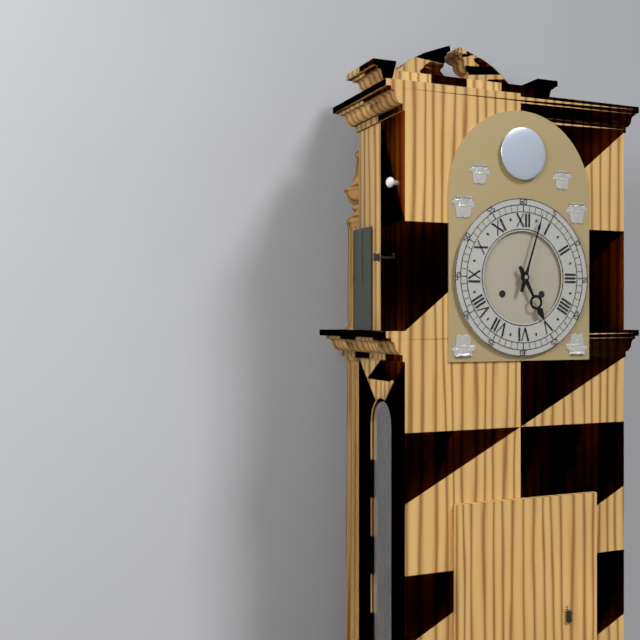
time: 5:03
